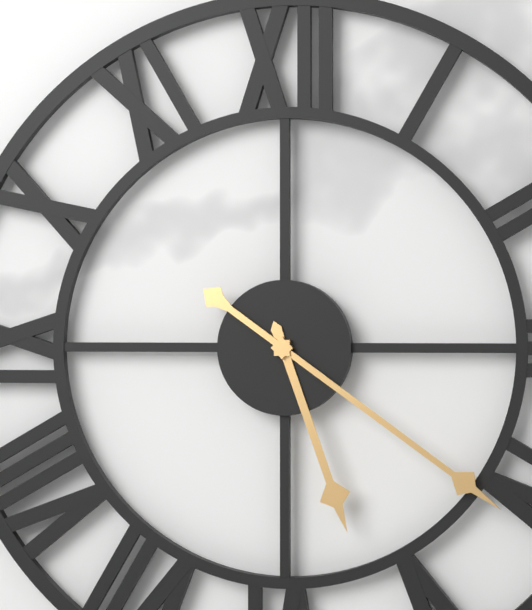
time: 5:21
